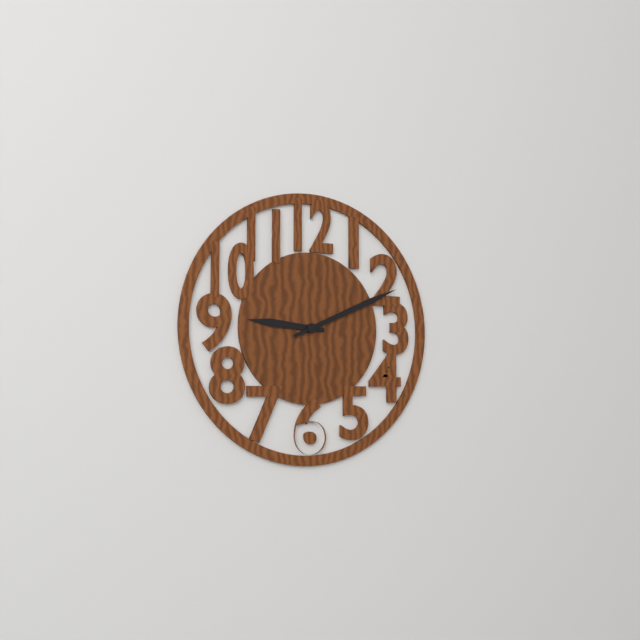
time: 9:11
